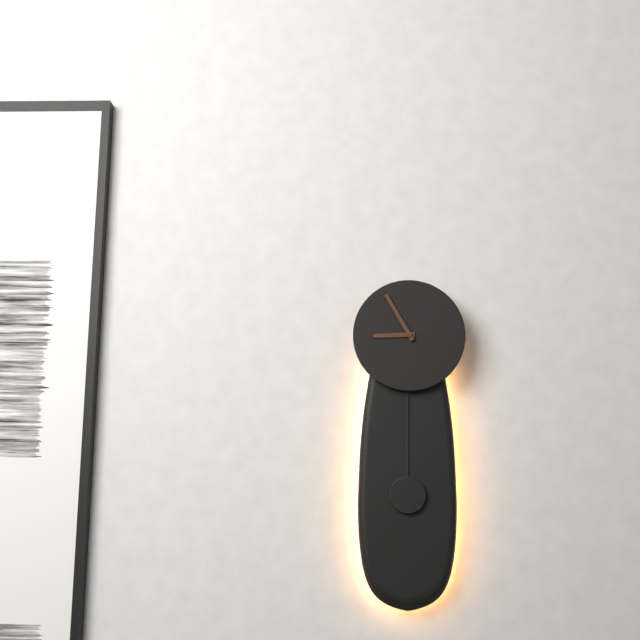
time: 8:55
